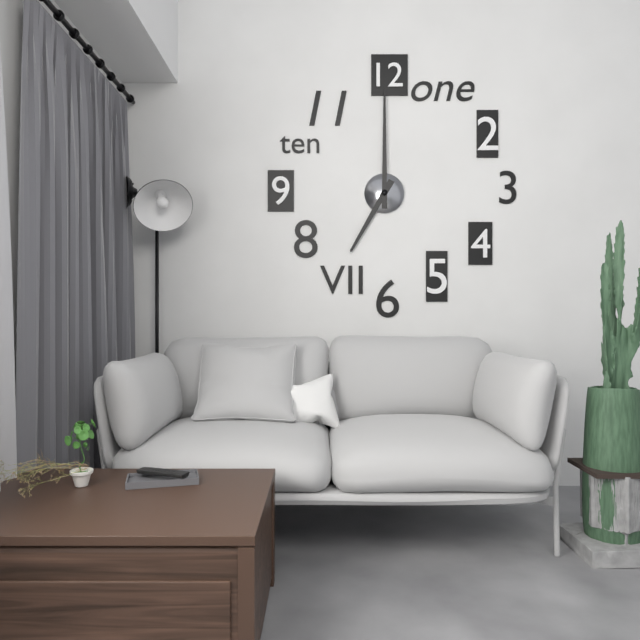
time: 7:00
